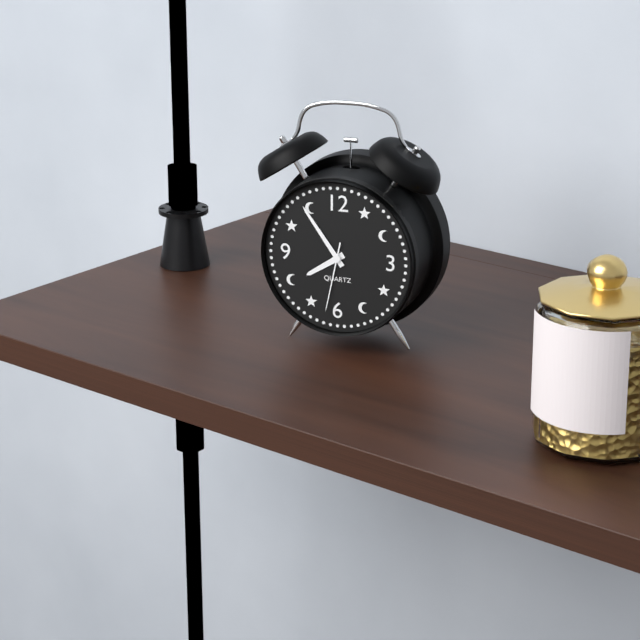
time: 7:54:32
